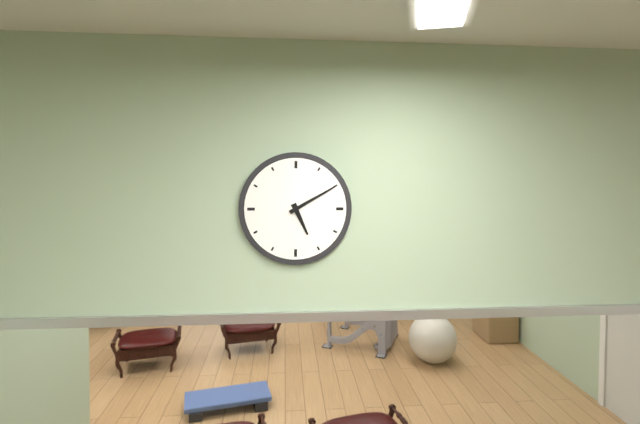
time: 5:10
